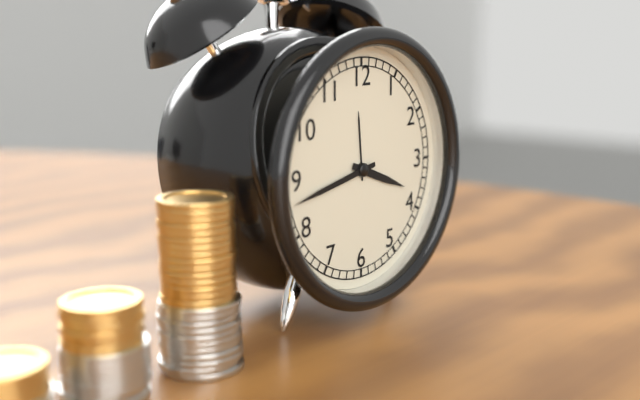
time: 3:43
